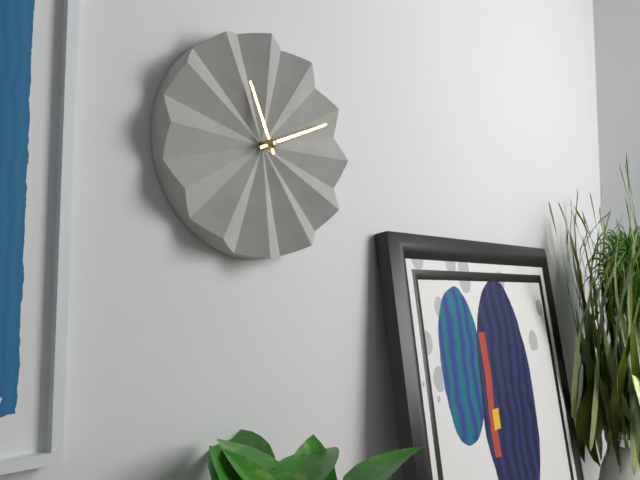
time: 11:11
